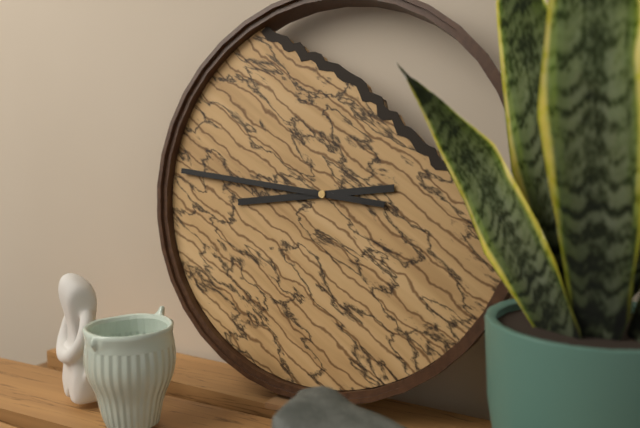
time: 8:46
